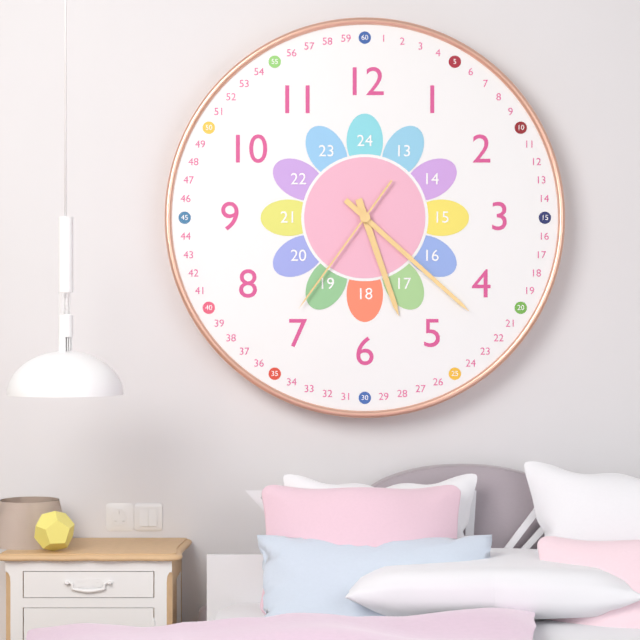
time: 5:22:36
